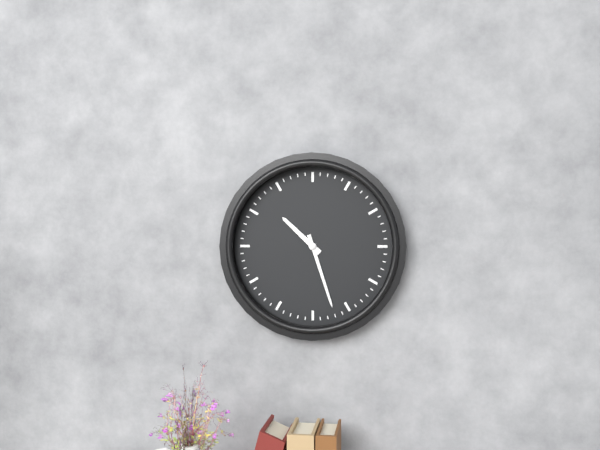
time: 10:27
